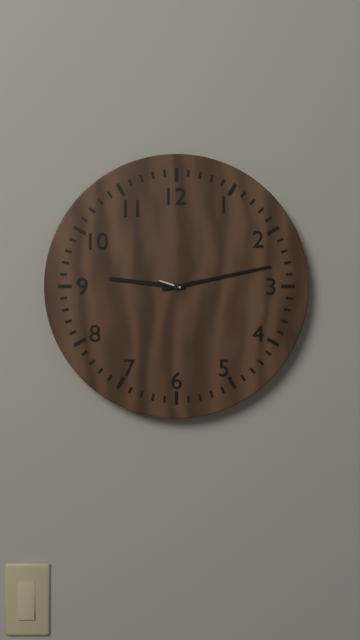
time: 9:13
